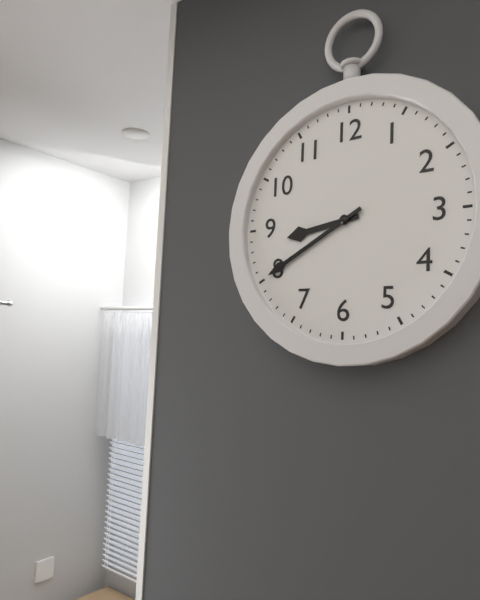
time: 8:40
